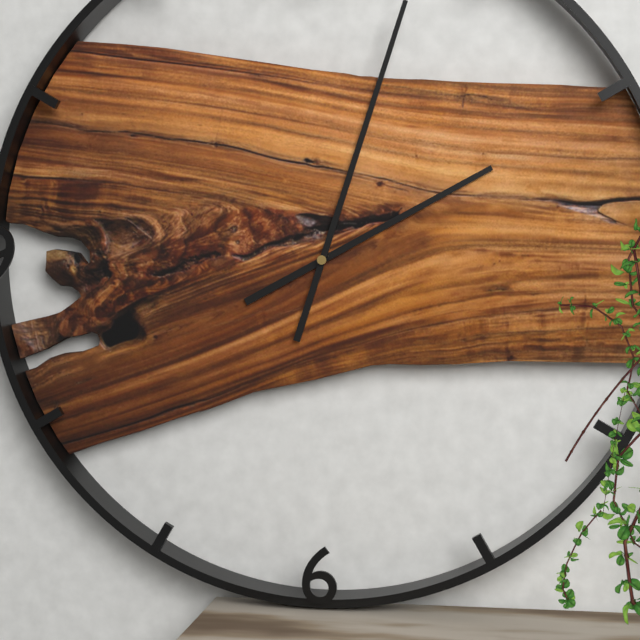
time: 2:03
